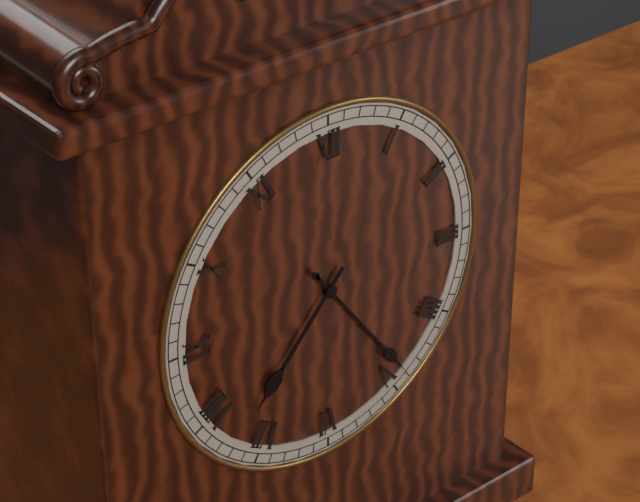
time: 7:24
